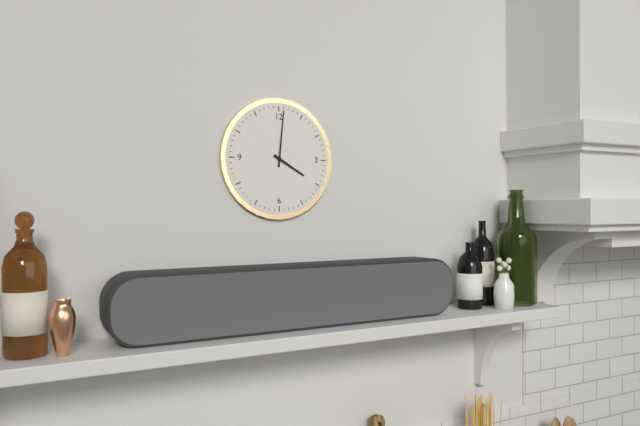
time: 4:01
